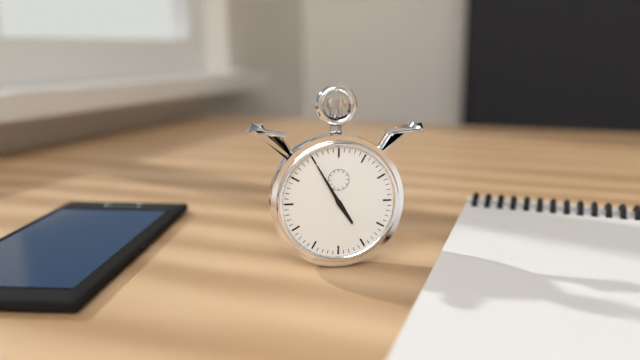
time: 4:55
